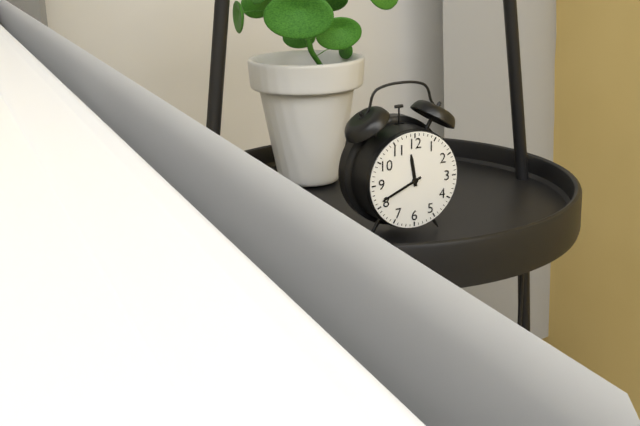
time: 11:41
